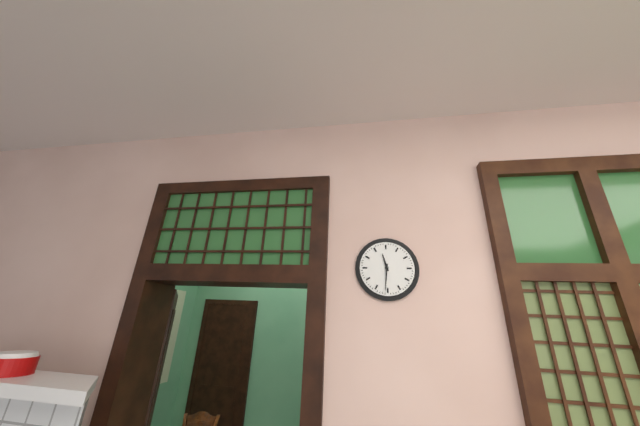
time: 11:31
